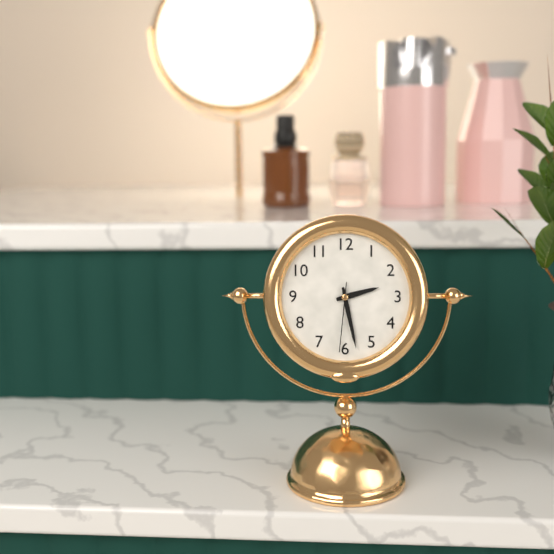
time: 2:28:31
